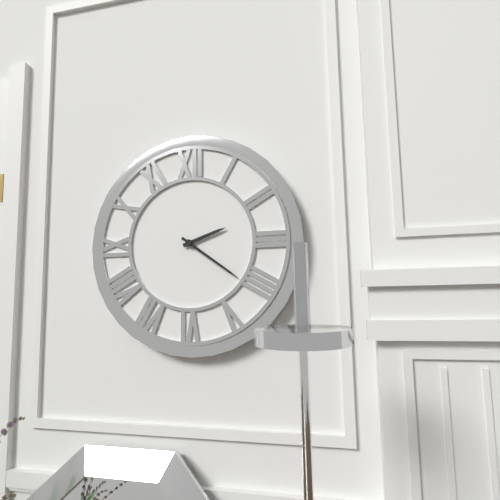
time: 2:21
